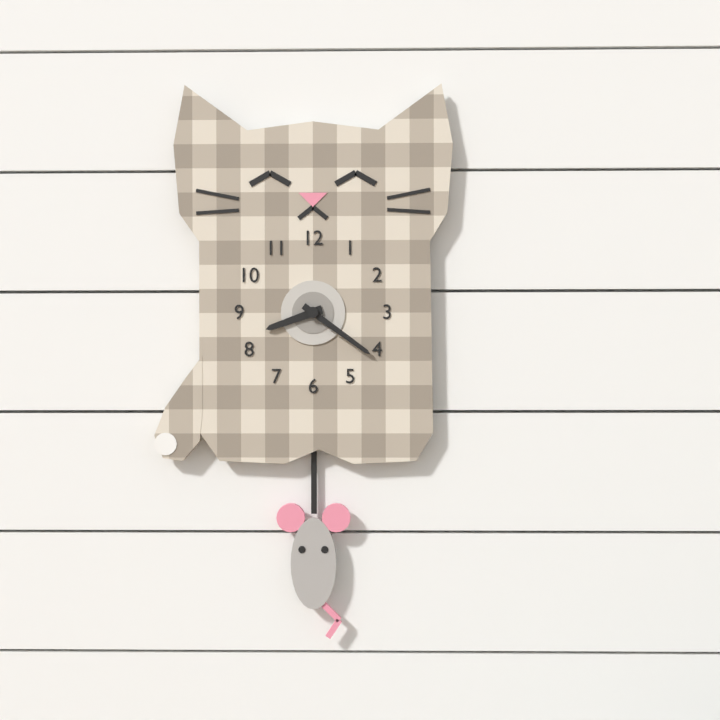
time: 8:21
